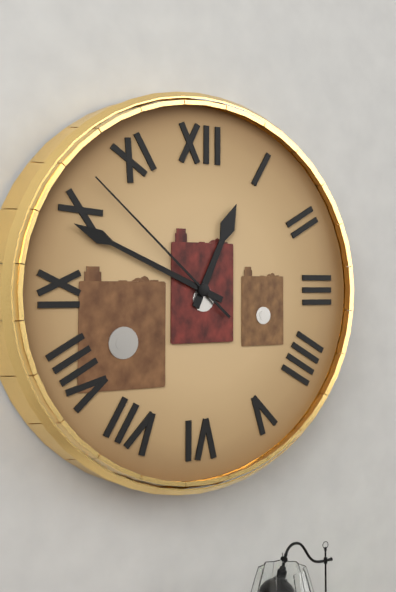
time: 12:49:52
